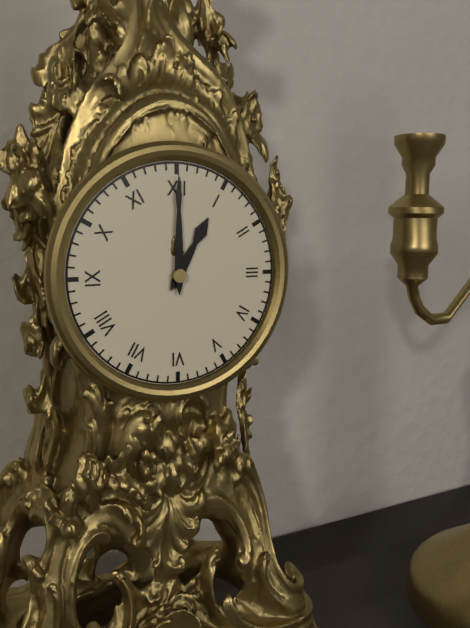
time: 1:00
